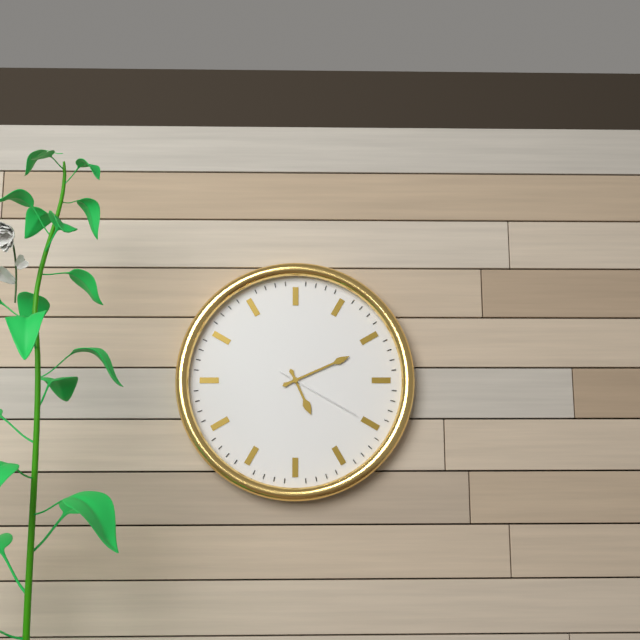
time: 5:11:20
